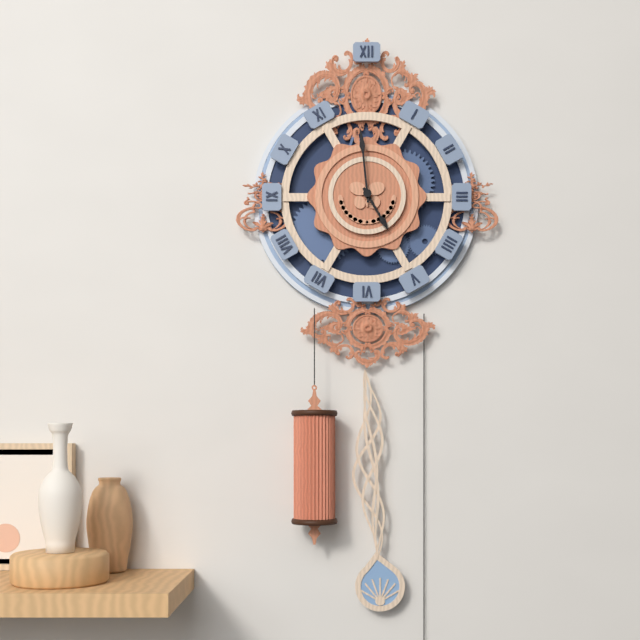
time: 4:59
